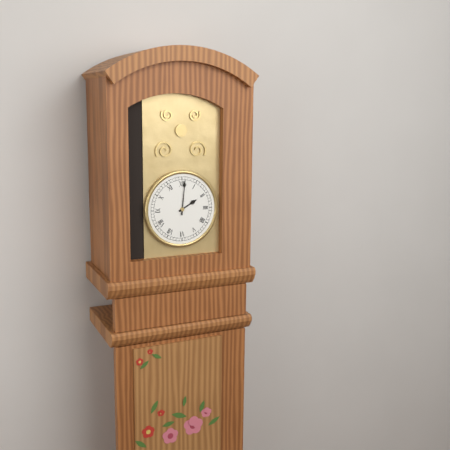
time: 2:01
